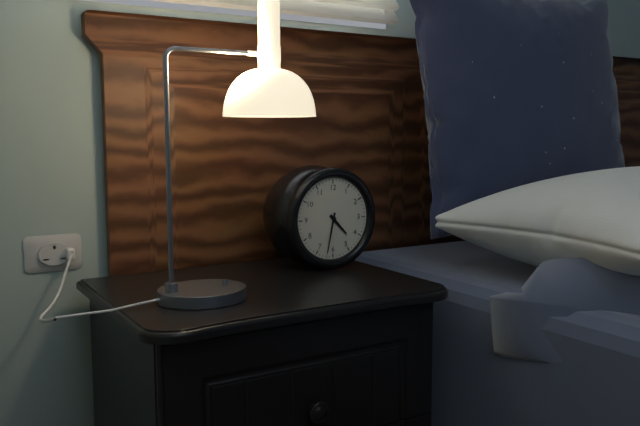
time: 4:32
